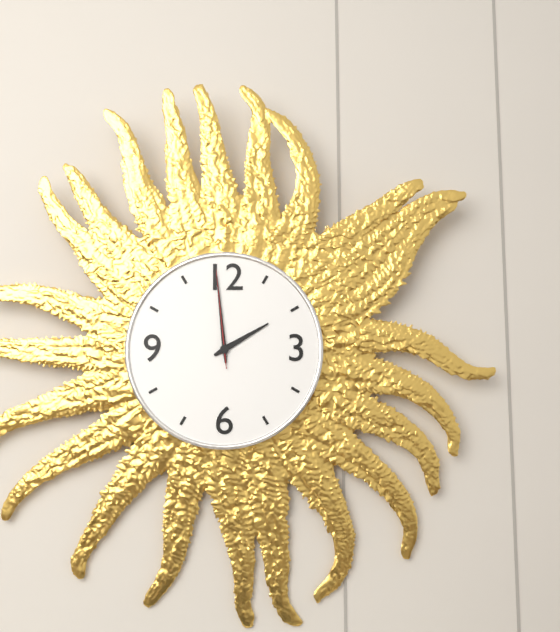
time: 1:59:59
